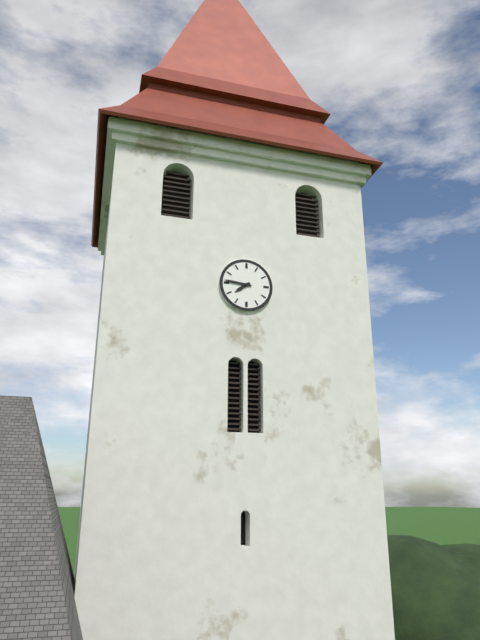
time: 7:46
